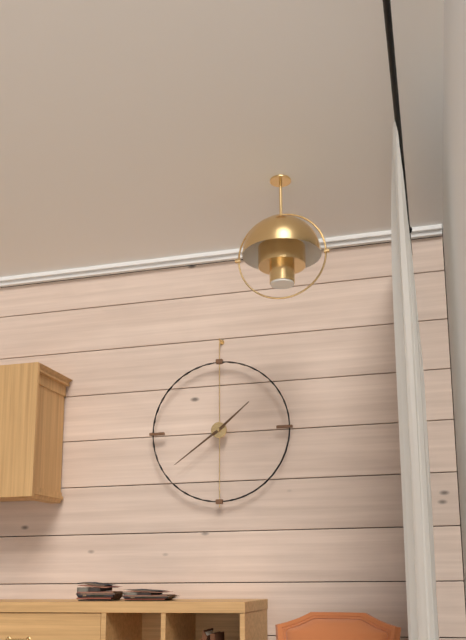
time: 1:39
